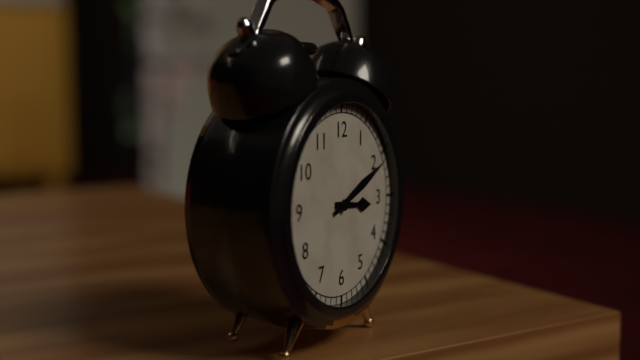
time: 3:11
